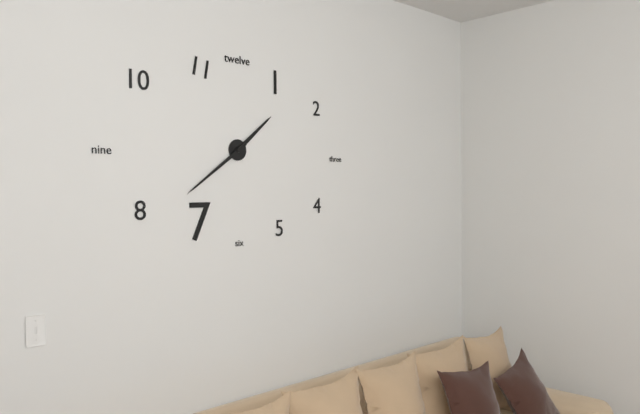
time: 1:39
